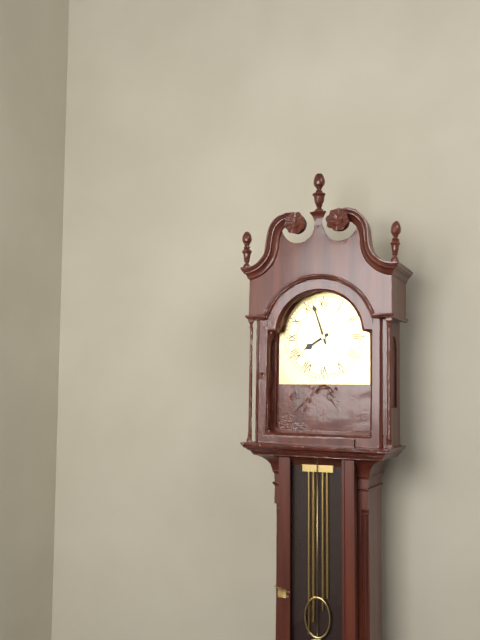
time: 7:57
